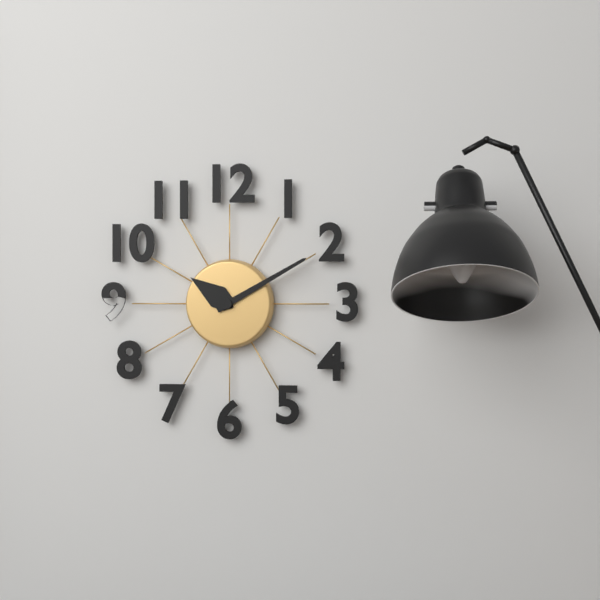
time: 10:10
